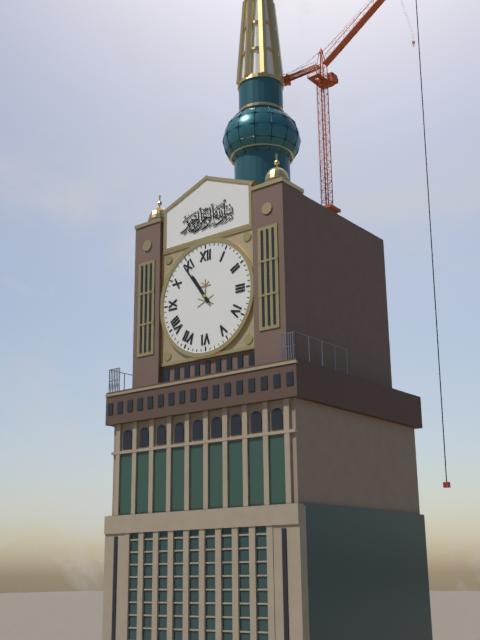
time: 10:54
